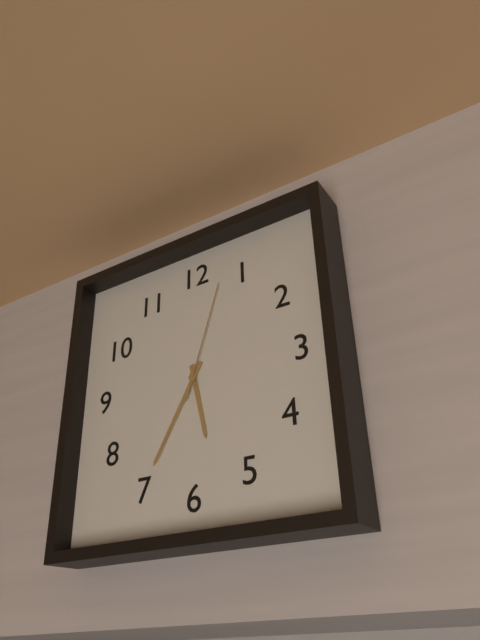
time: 5:35:03
